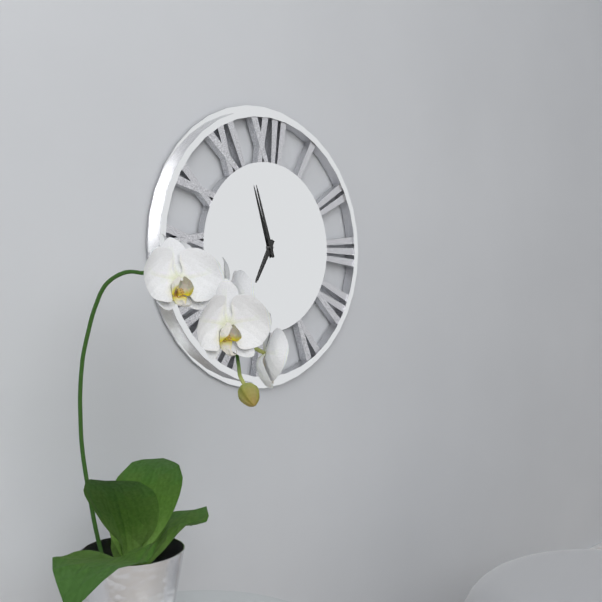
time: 6:57
